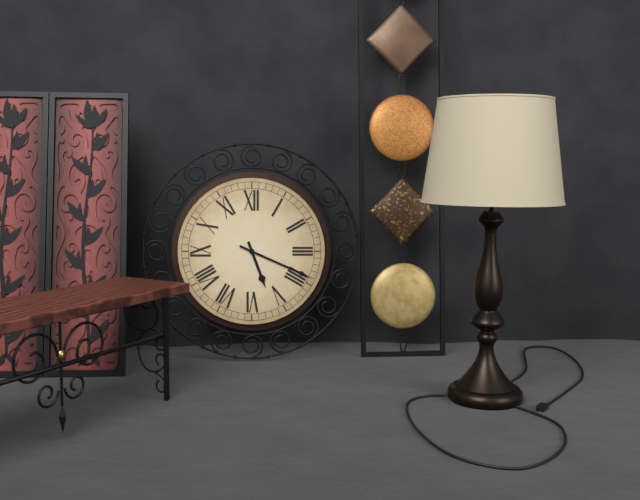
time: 5:19
